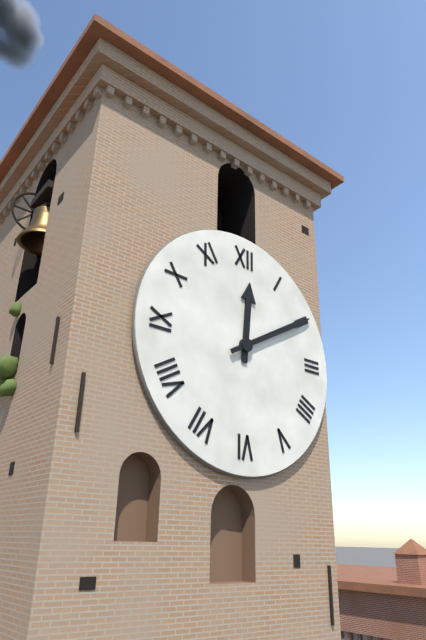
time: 12:10
